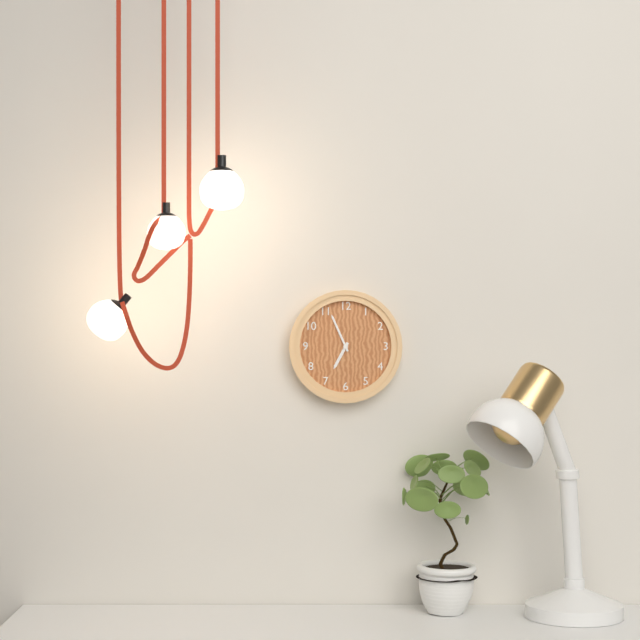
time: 6:56
